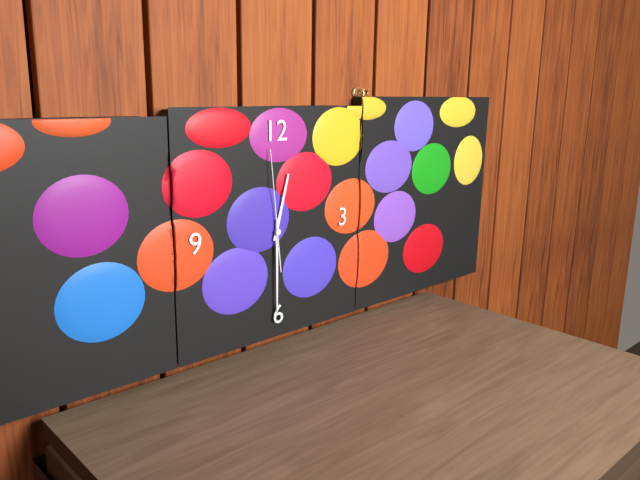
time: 12:30:59
